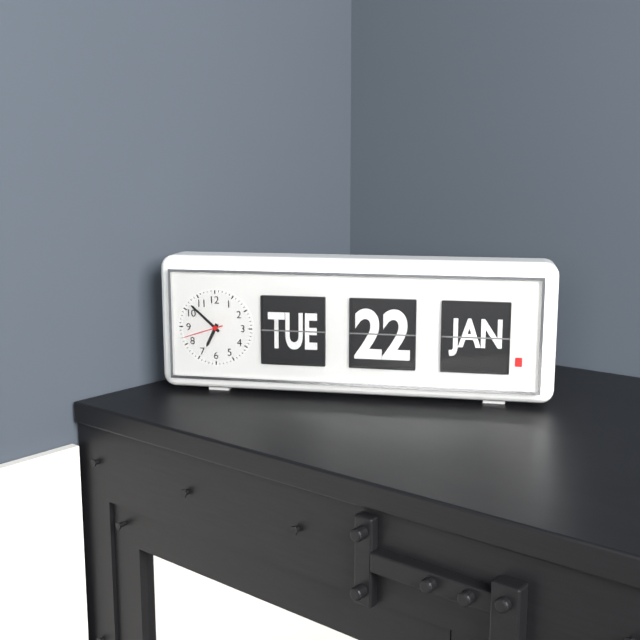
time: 6:52:42
